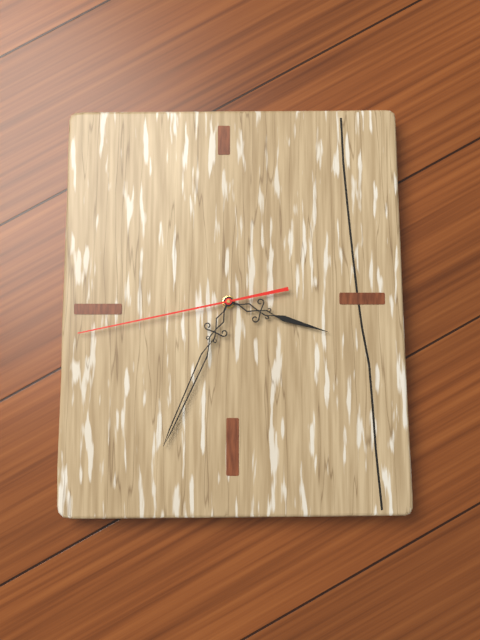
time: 3:34:43
